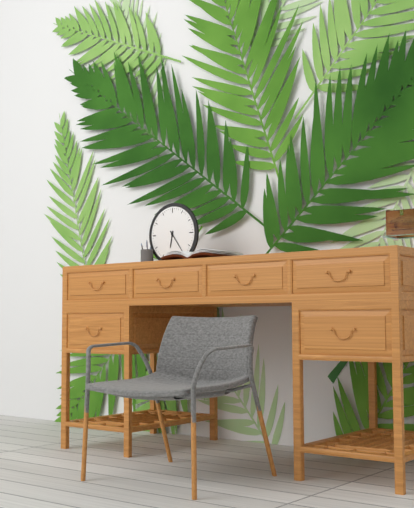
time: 6:24
